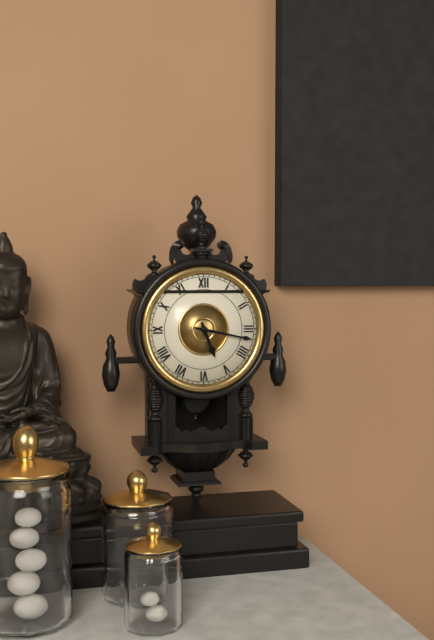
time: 5:17
